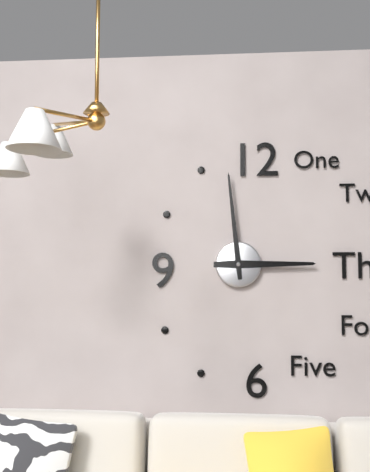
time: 2:59
